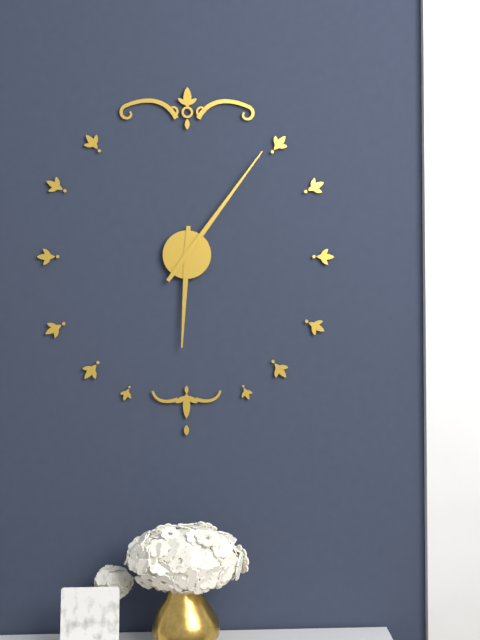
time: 6:06
